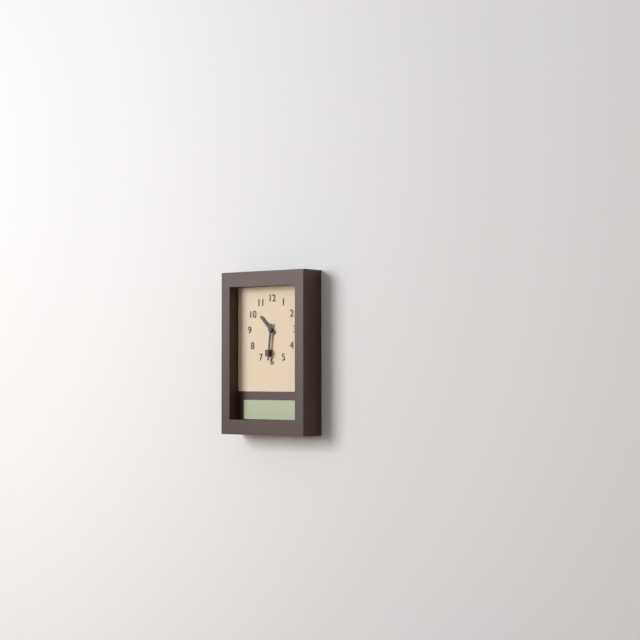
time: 10:31
